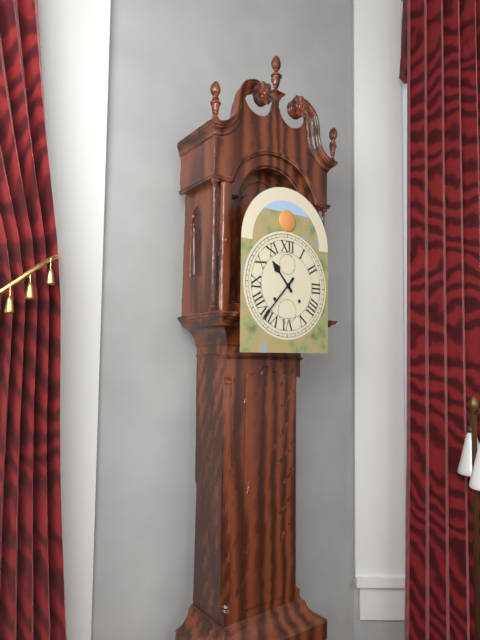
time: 10:37
